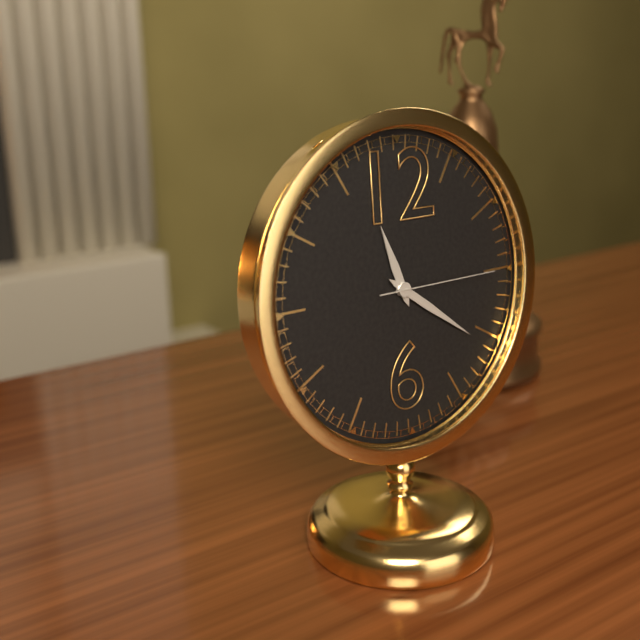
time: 11:21:15
